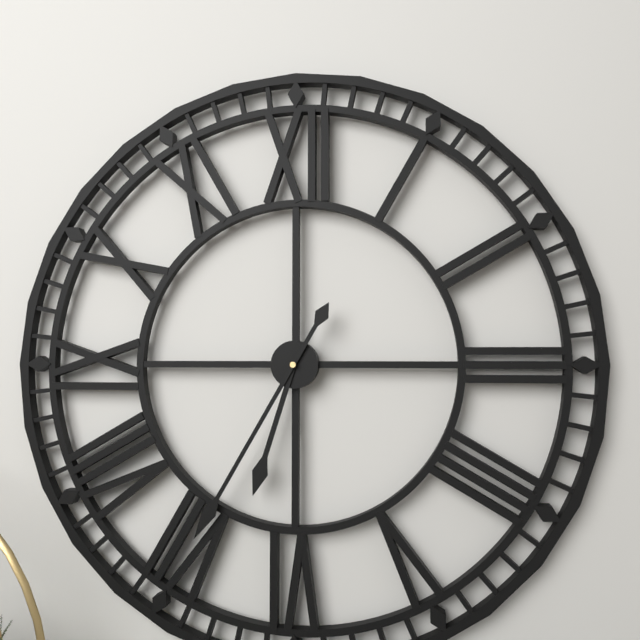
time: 6:35
